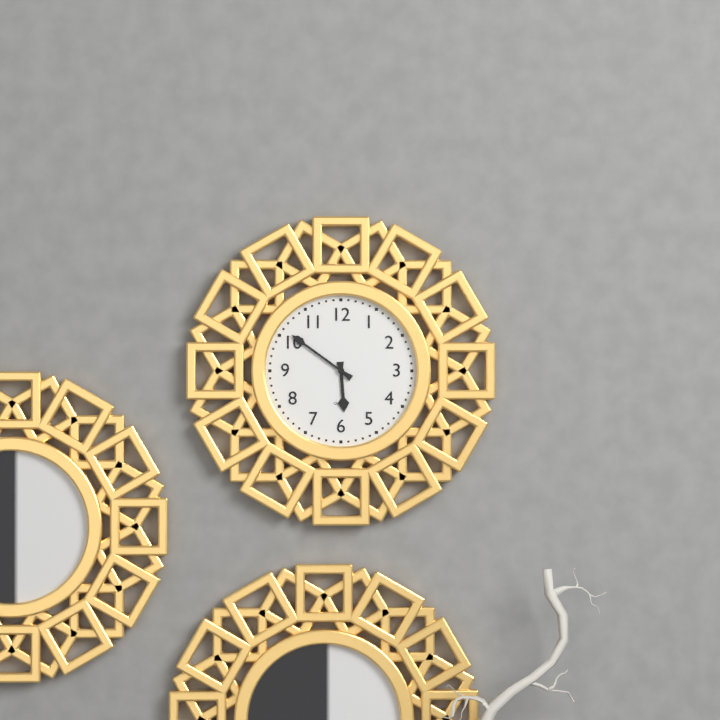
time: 5:51
